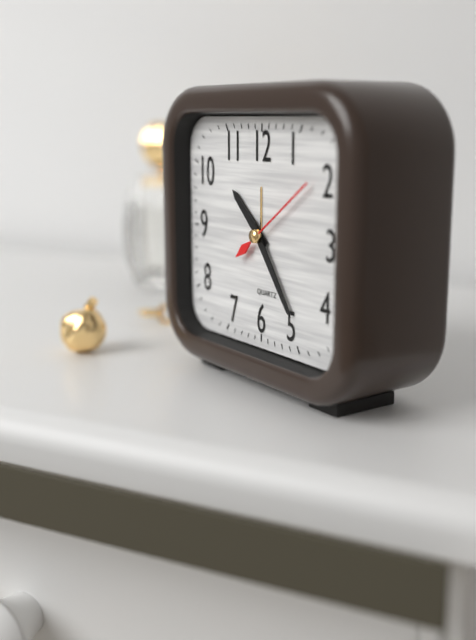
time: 10:24:09
